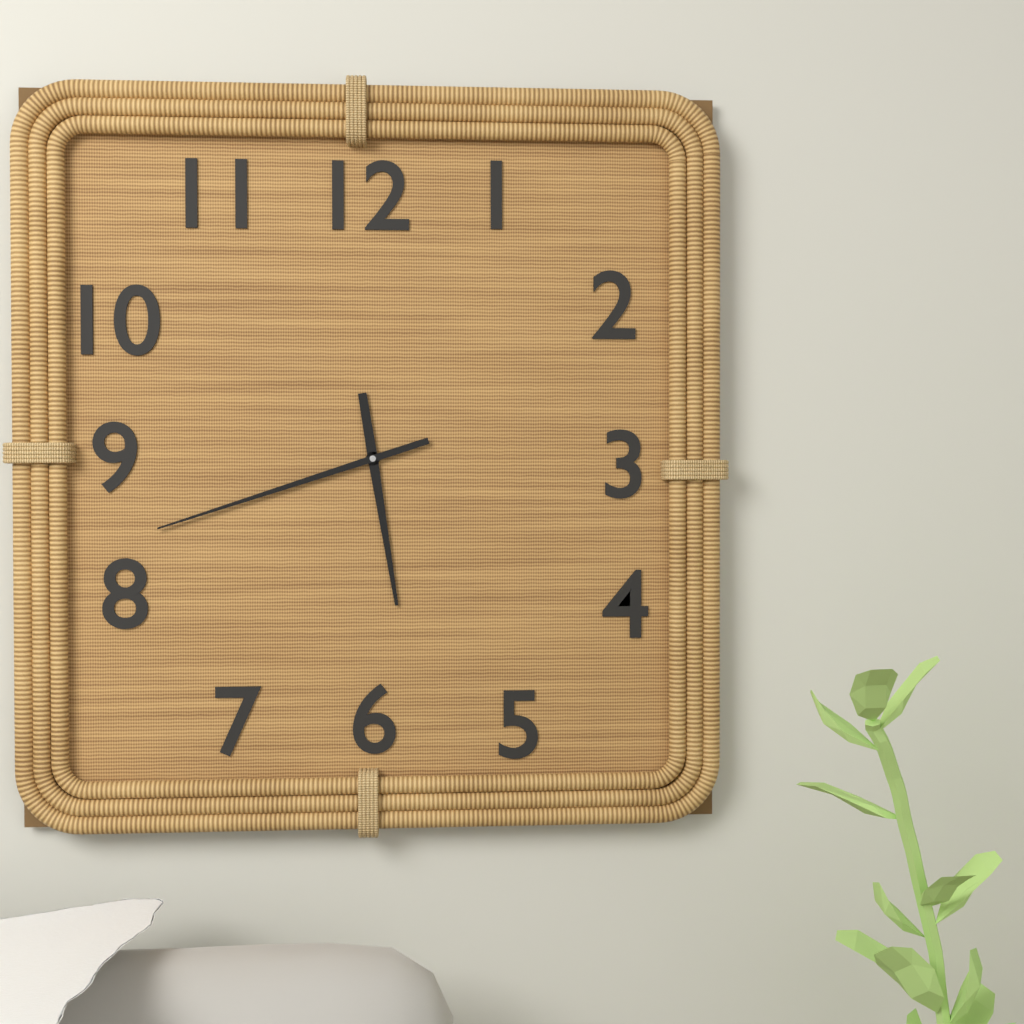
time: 5:42
